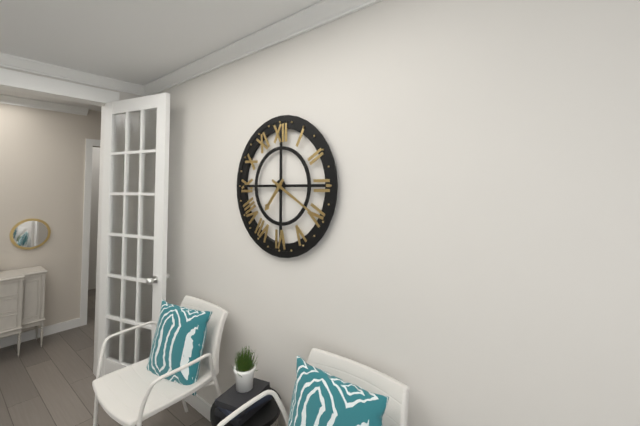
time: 7:20
